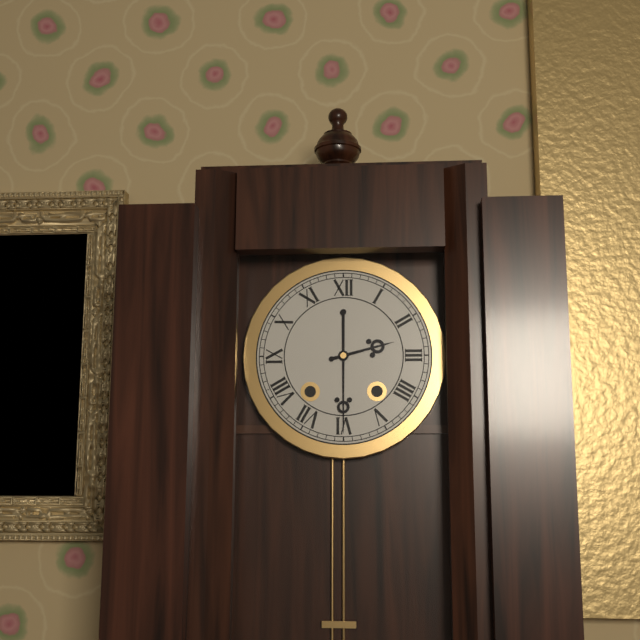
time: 2:30
